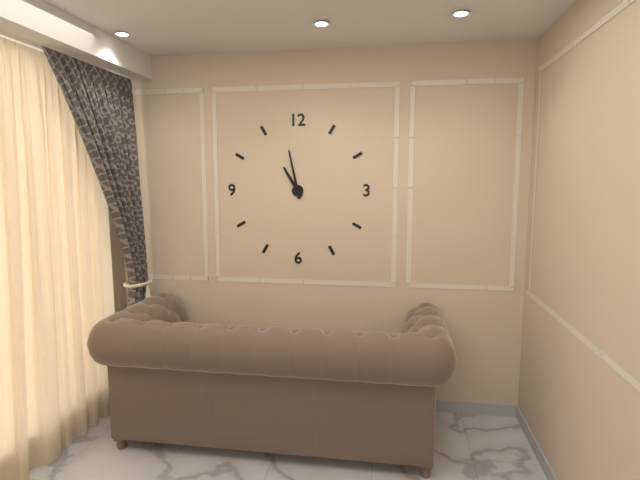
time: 10:58
